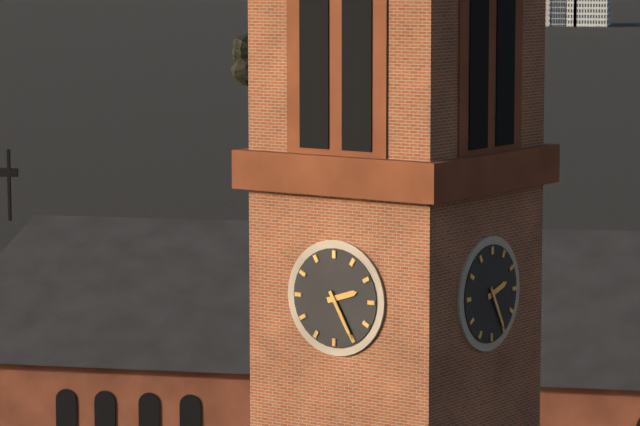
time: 2:25
